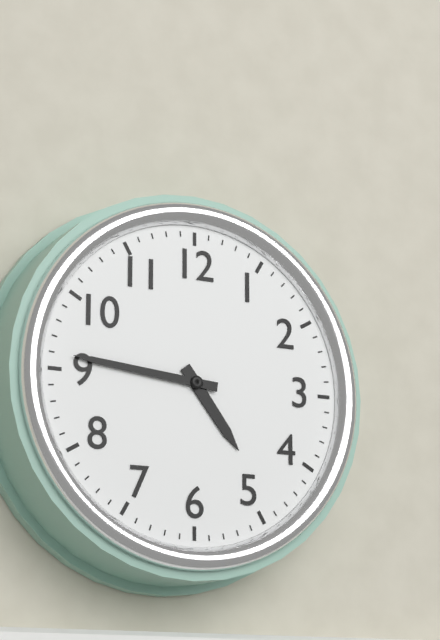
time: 4:46
